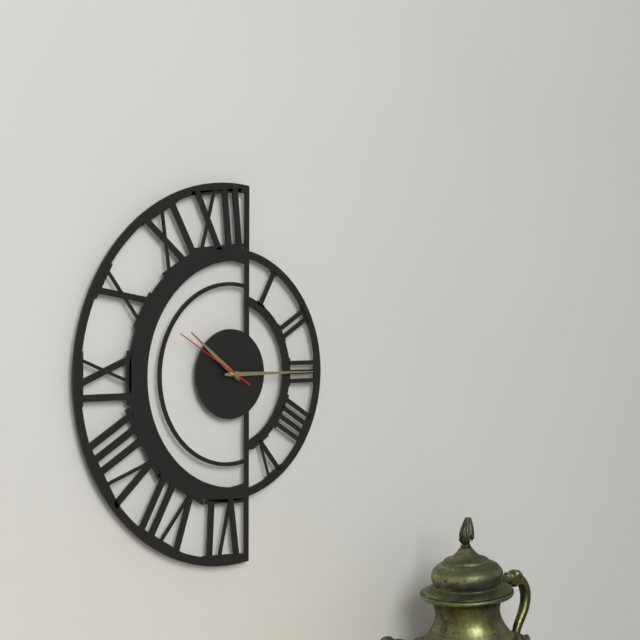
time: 10:15:50
